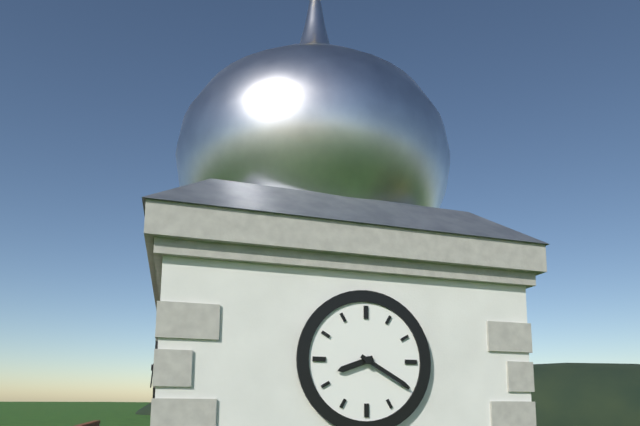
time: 8:20
